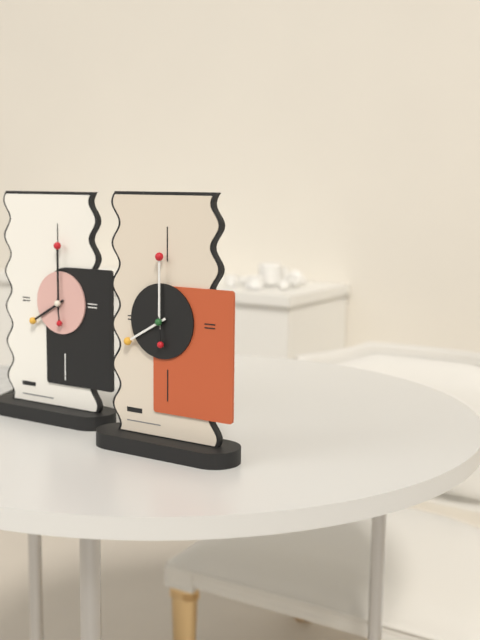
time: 8:00
